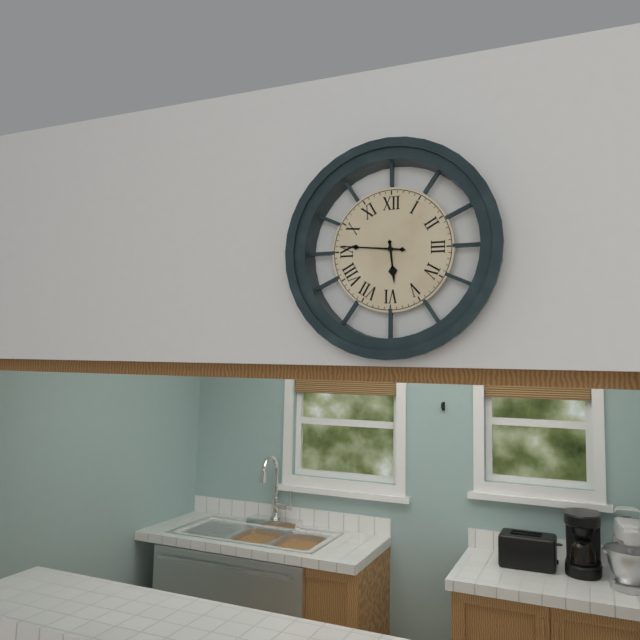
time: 5:46
